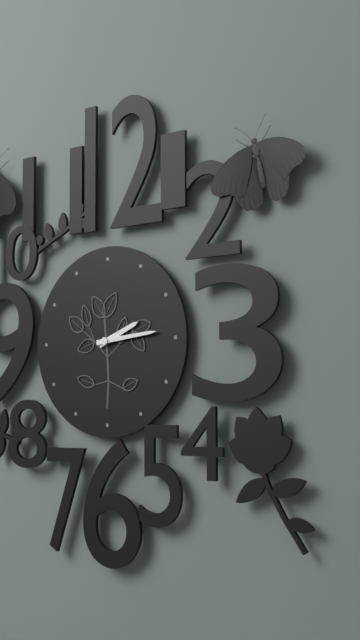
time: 2:14
